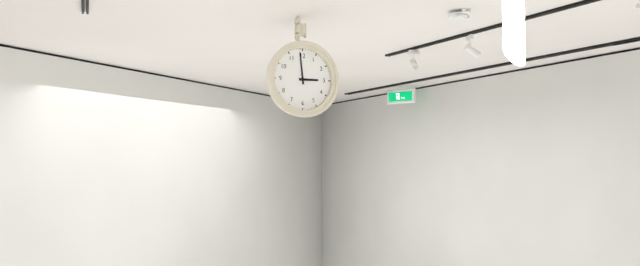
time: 2:59
